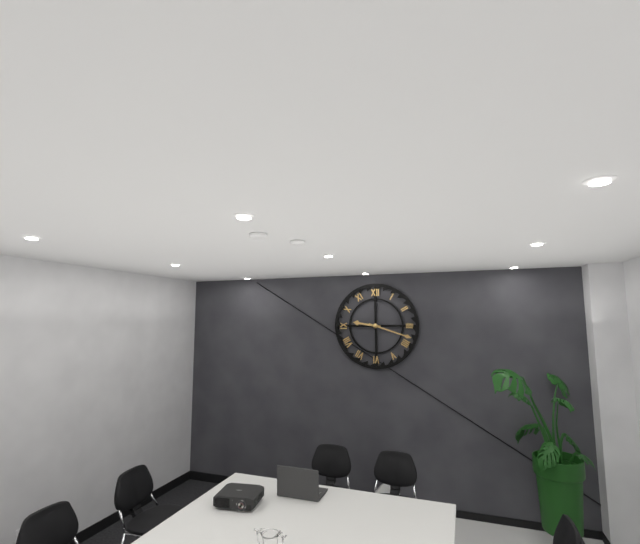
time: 9:18
